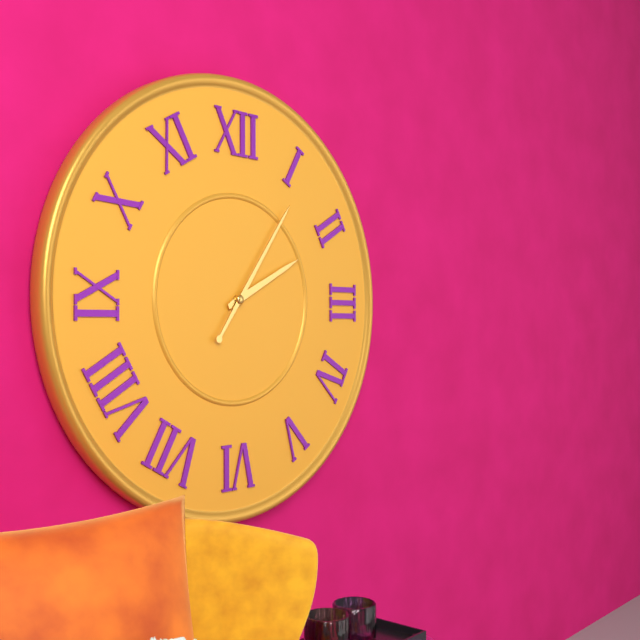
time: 2:06
